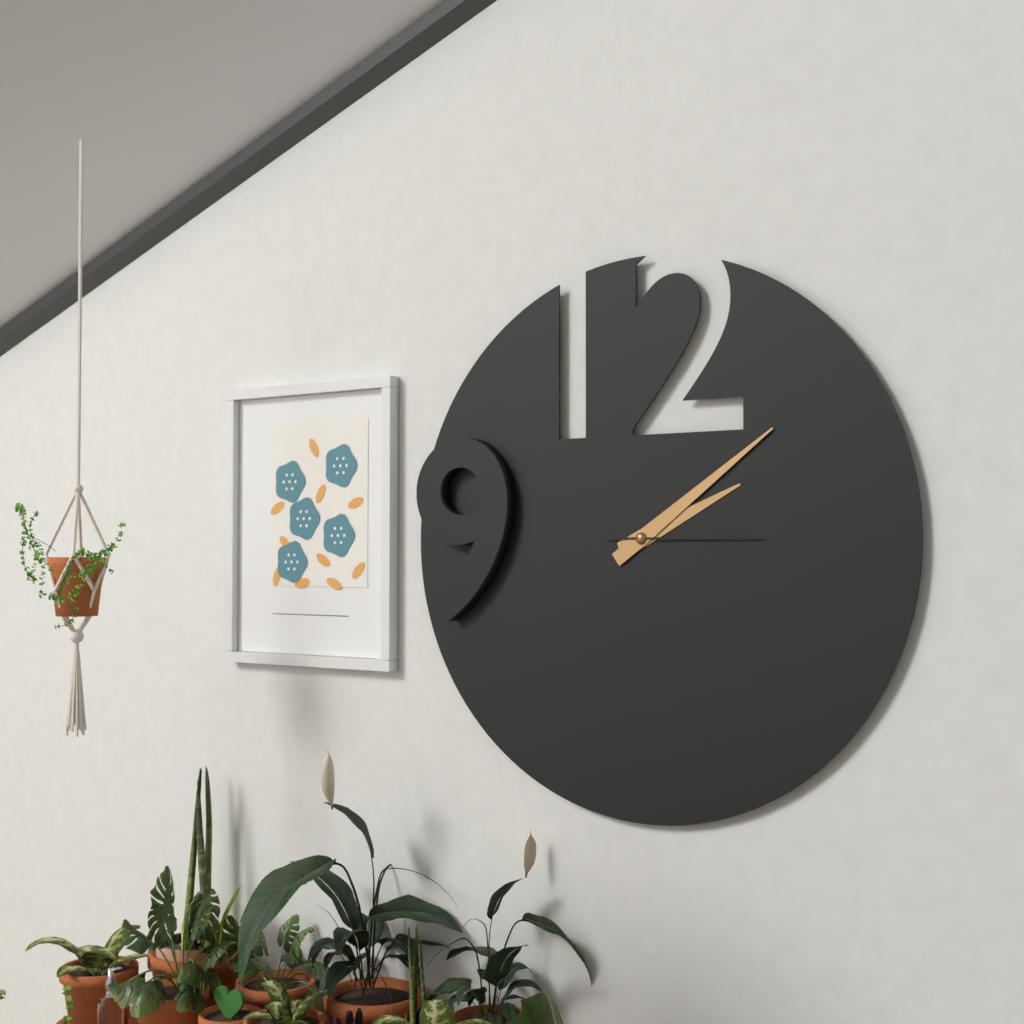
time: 2:09:15
